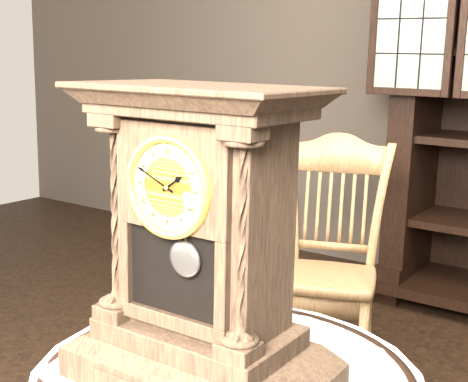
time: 1:49
